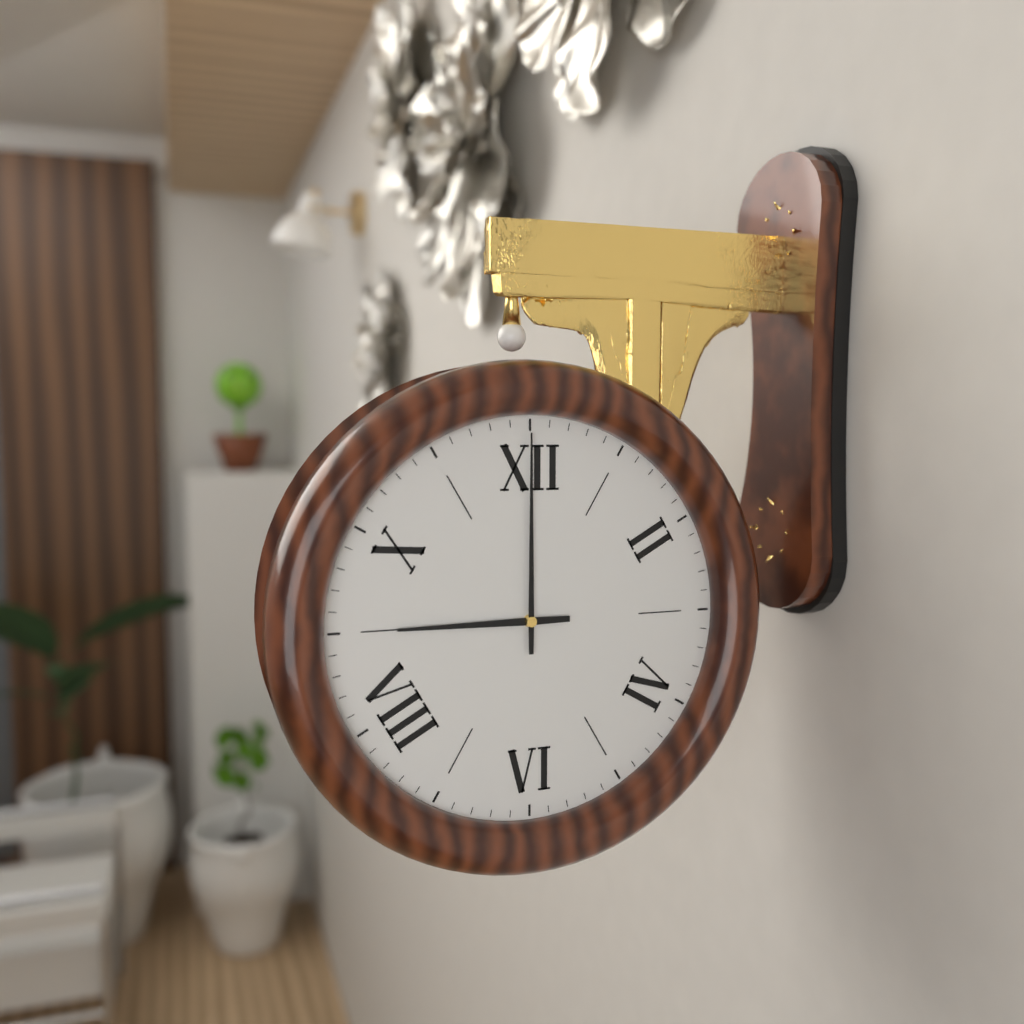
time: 9:00
